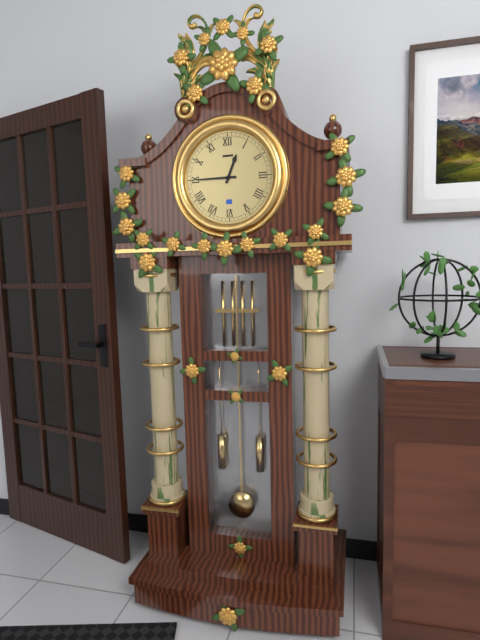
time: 12:45
